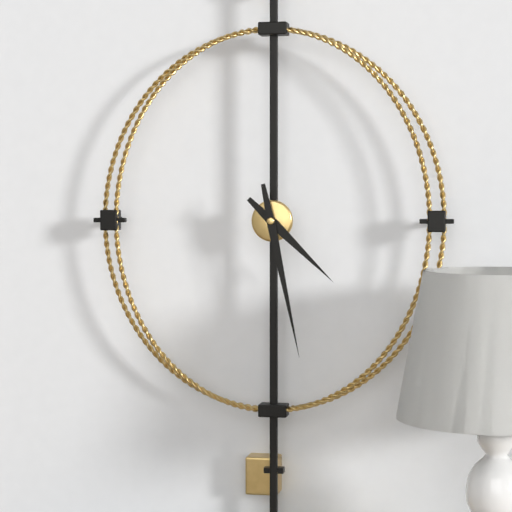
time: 4:28
